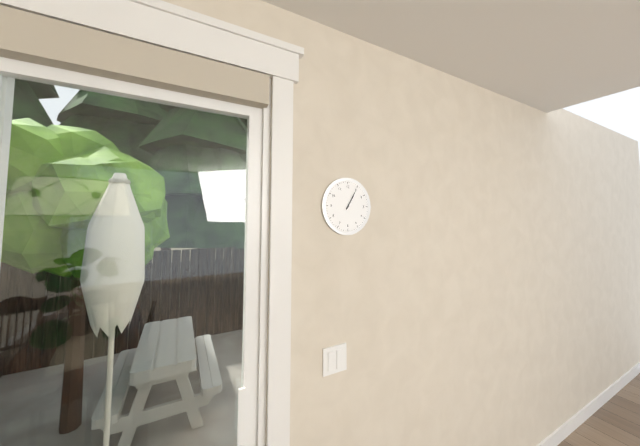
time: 1:05
